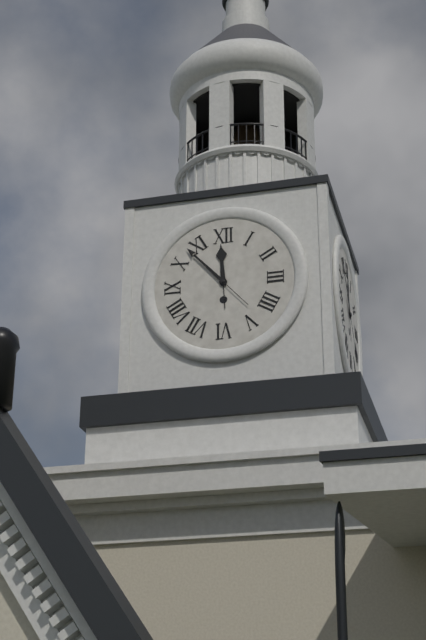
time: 11:53
